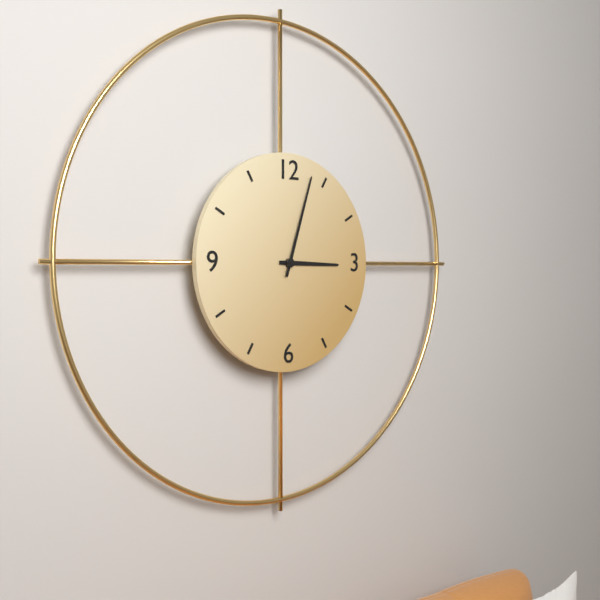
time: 3:03
